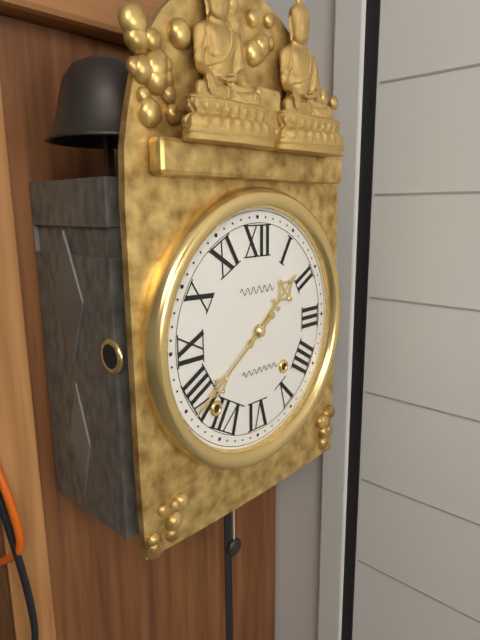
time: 1:39
